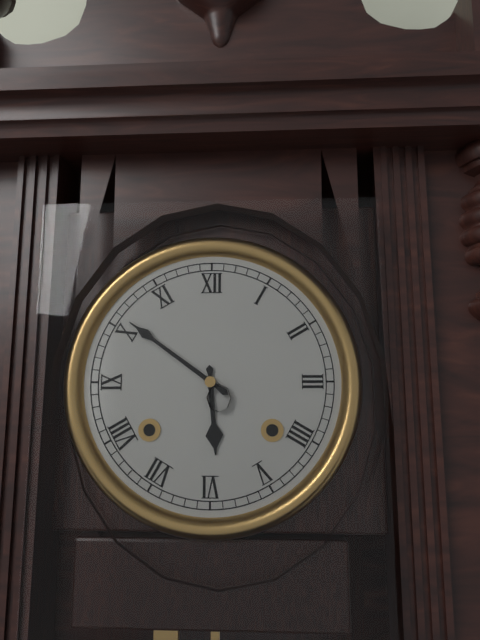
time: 5:51
